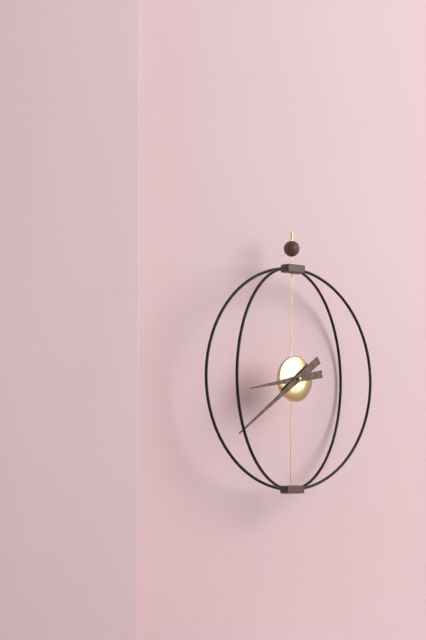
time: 8:39
